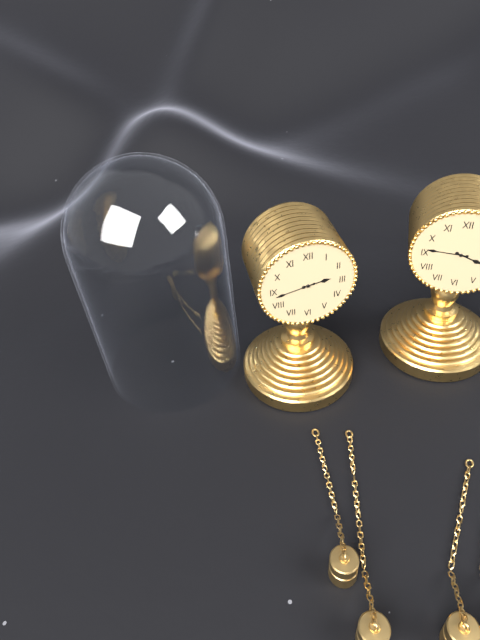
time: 2:43
